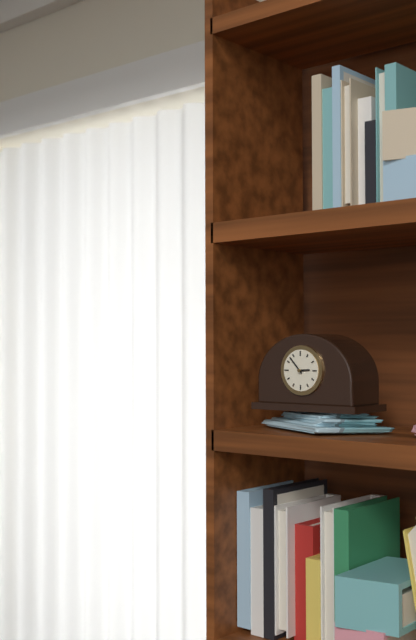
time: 2:53
